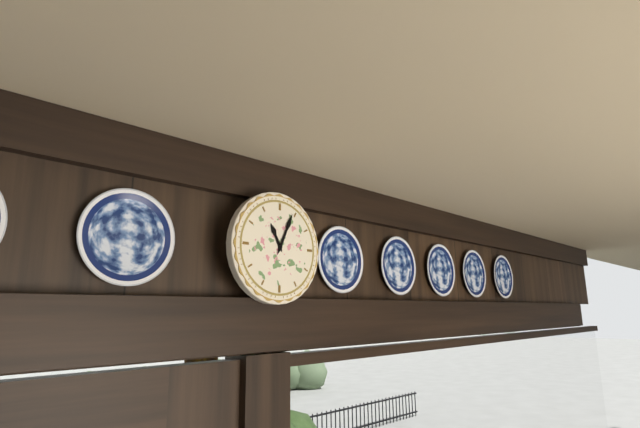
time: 11:04
